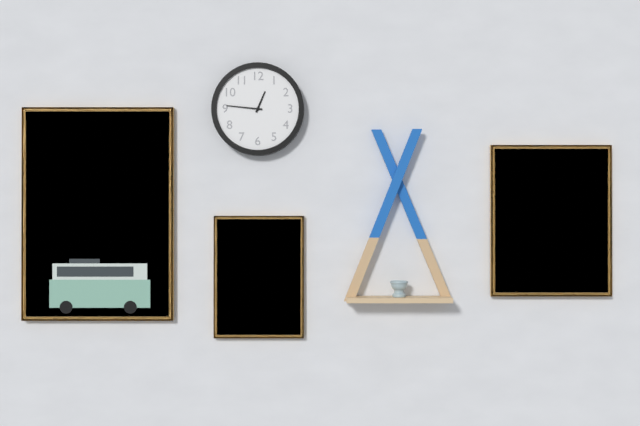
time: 12:46
